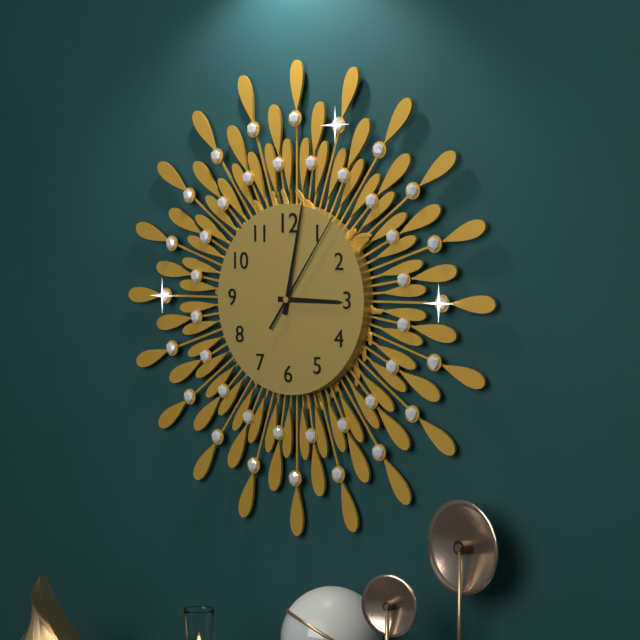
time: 3:02:06
